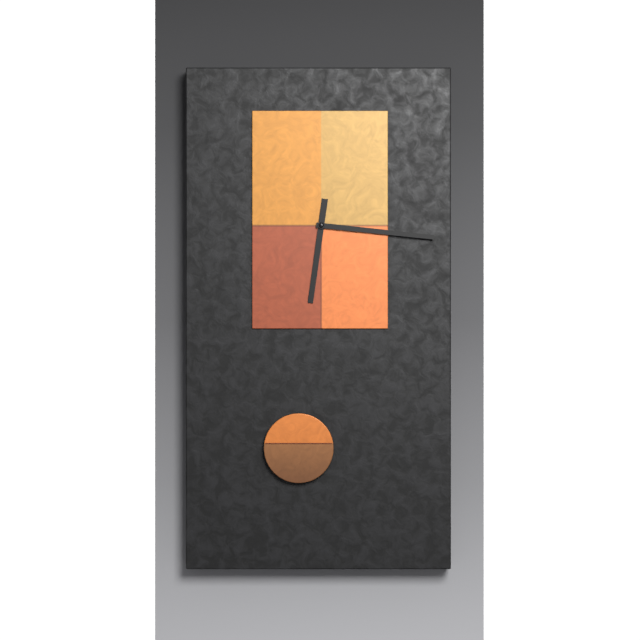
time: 6:16
